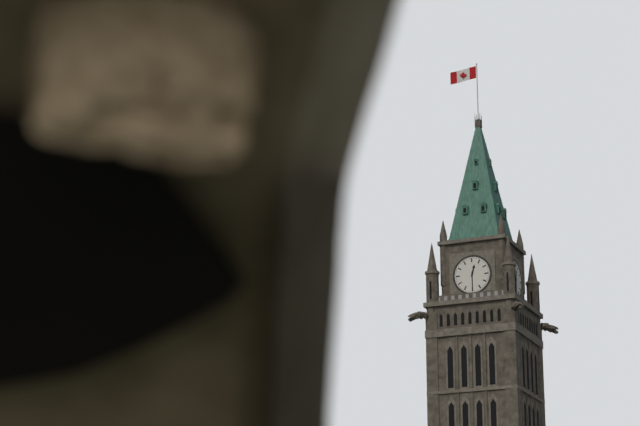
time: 12:30
